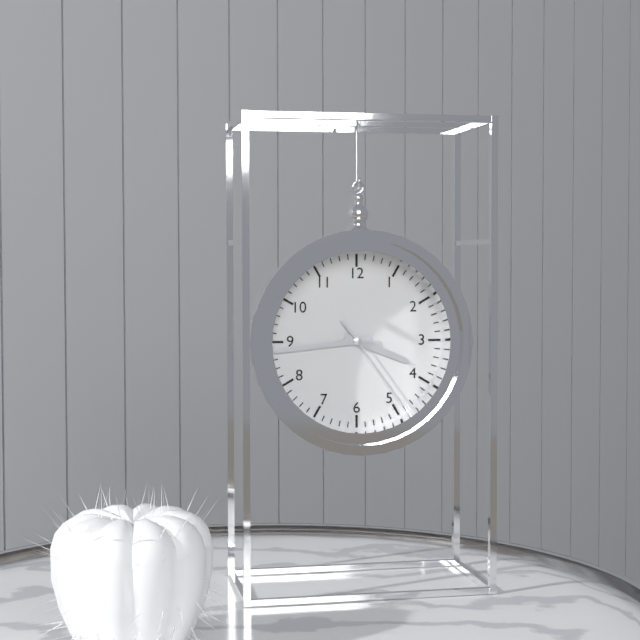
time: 3:44:24
